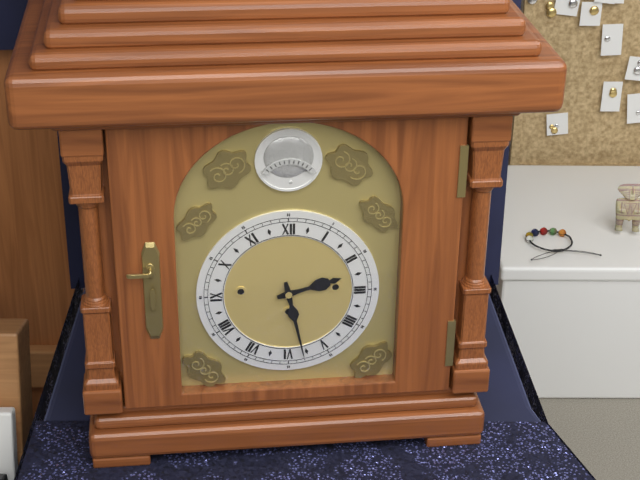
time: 2:28
